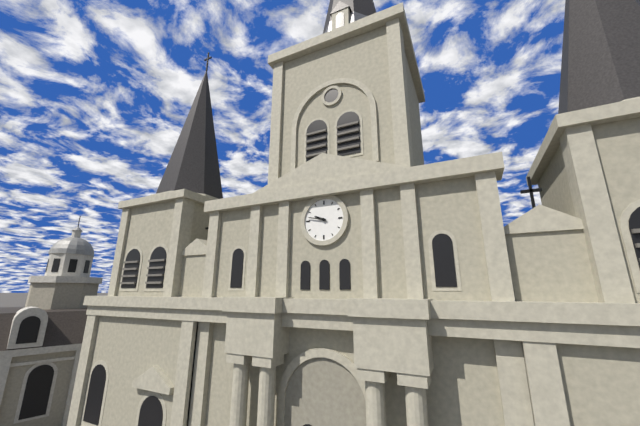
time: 9:47
